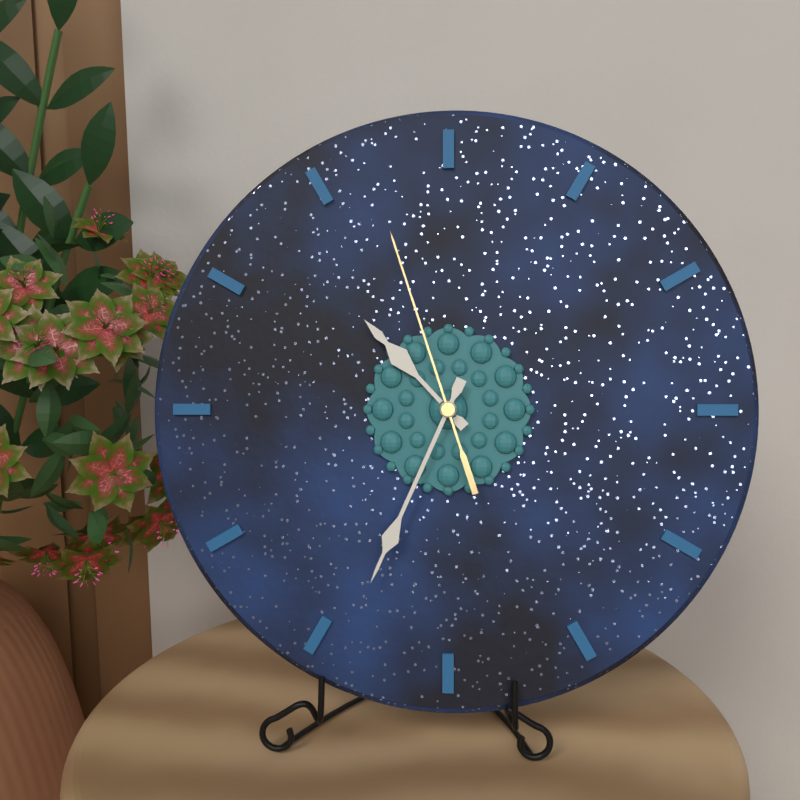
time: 10:34:57
